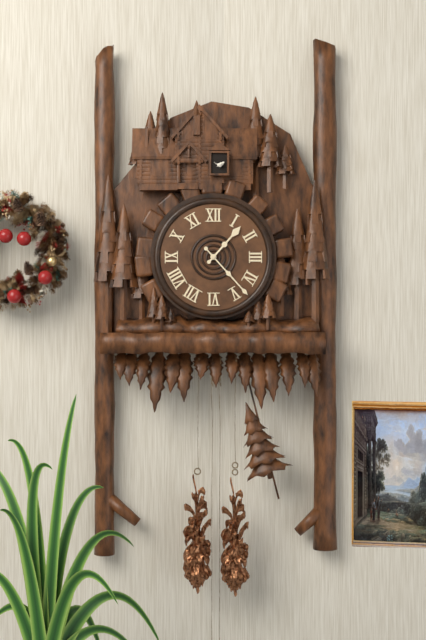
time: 1:23
